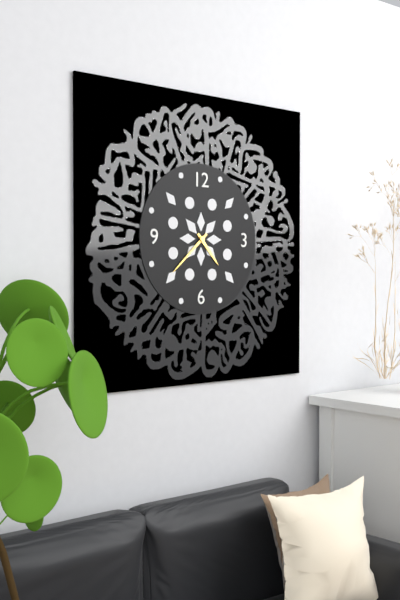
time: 4:38
